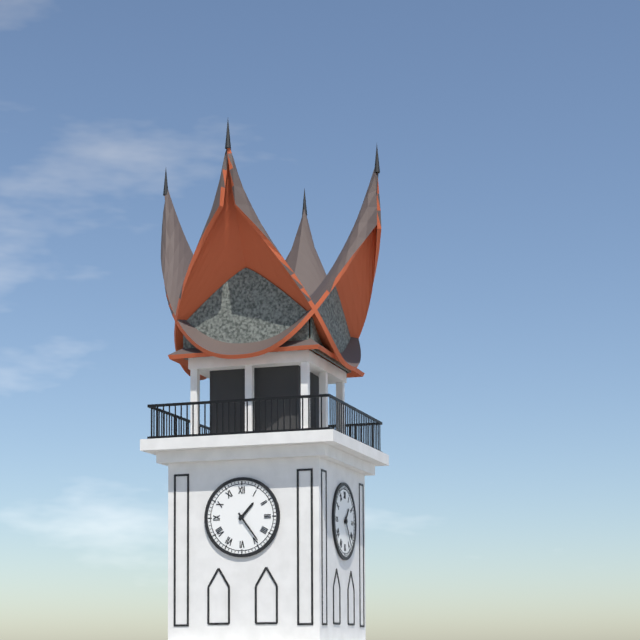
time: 1:24
